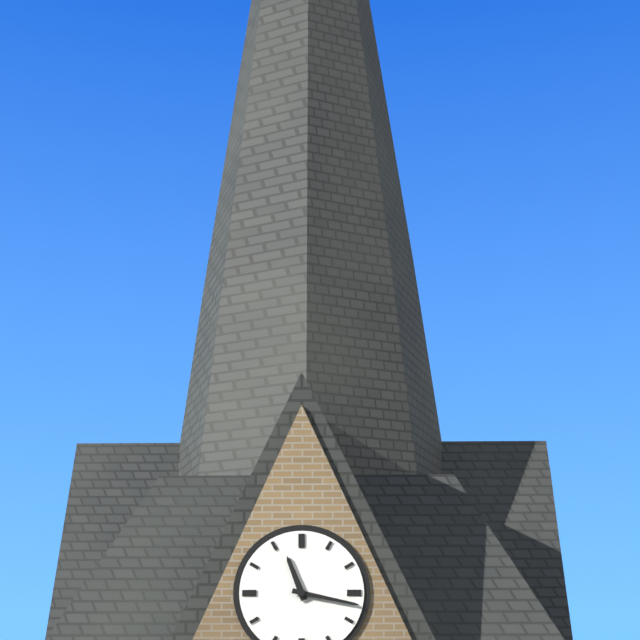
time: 11:17
